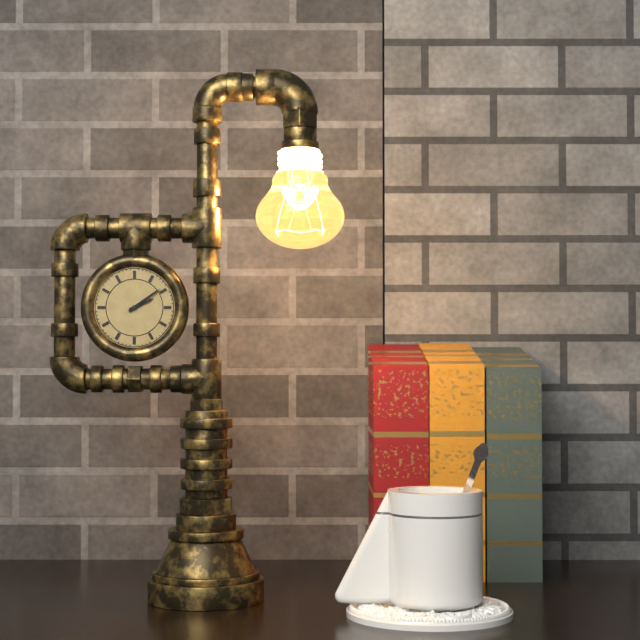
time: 2:09
